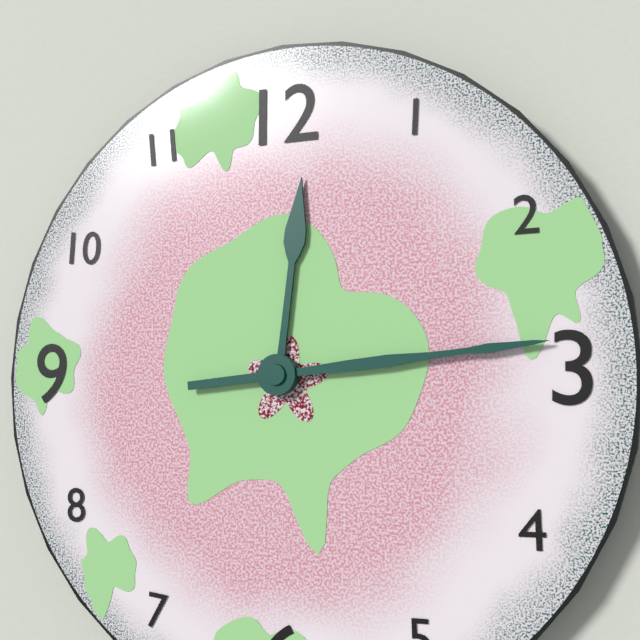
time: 12:14
